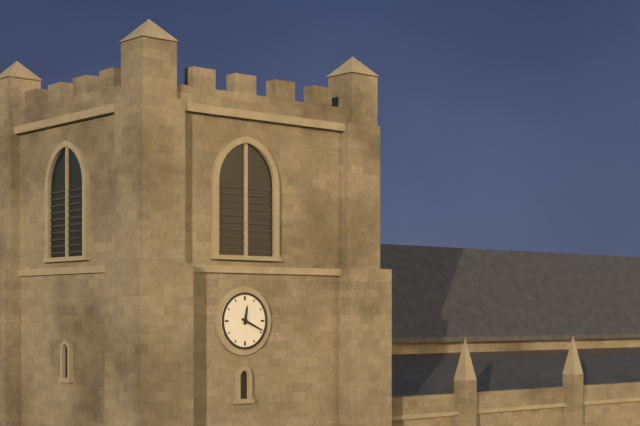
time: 12:19
